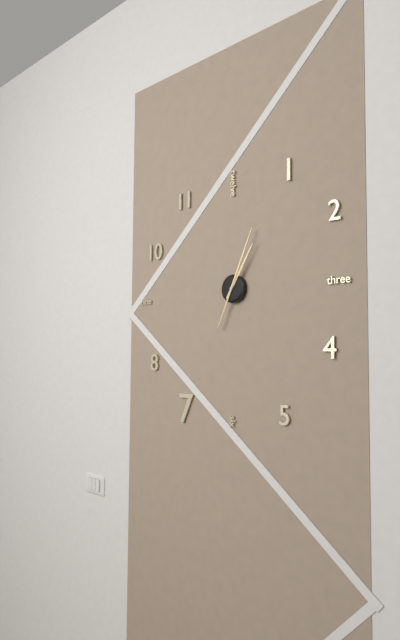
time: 1:04
